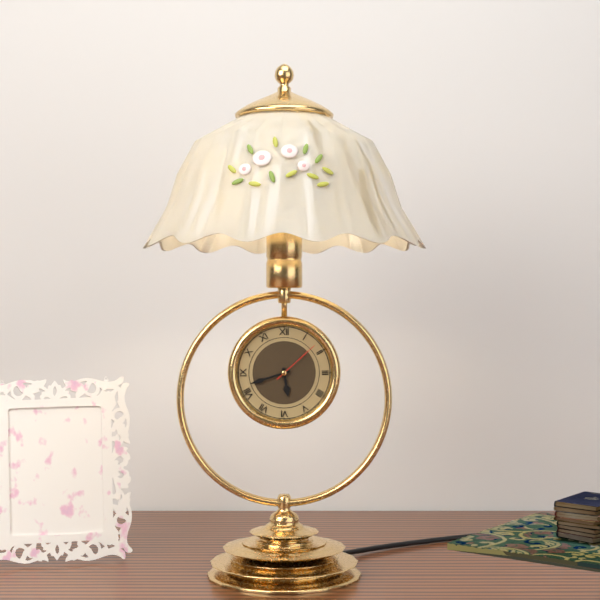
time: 5:42:08
